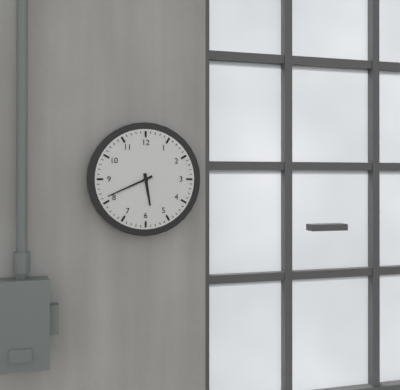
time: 5:41
